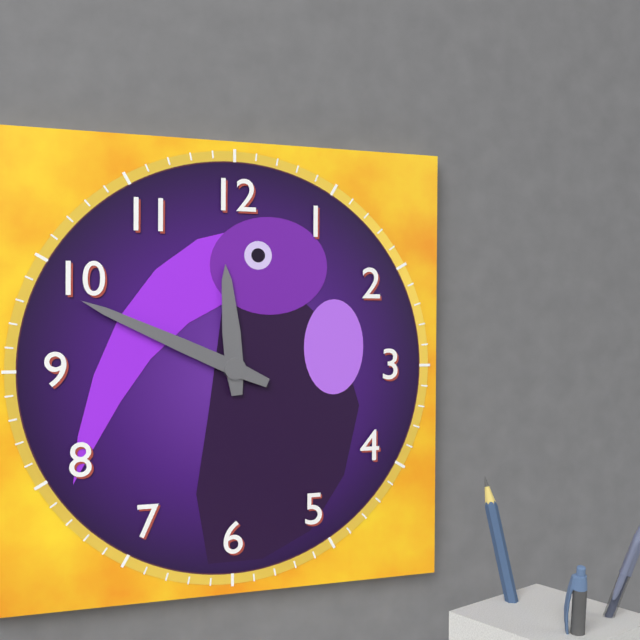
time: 11:49
